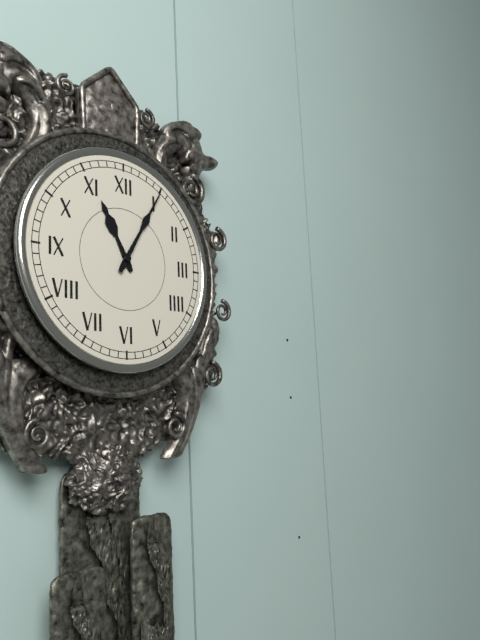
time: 11:05
